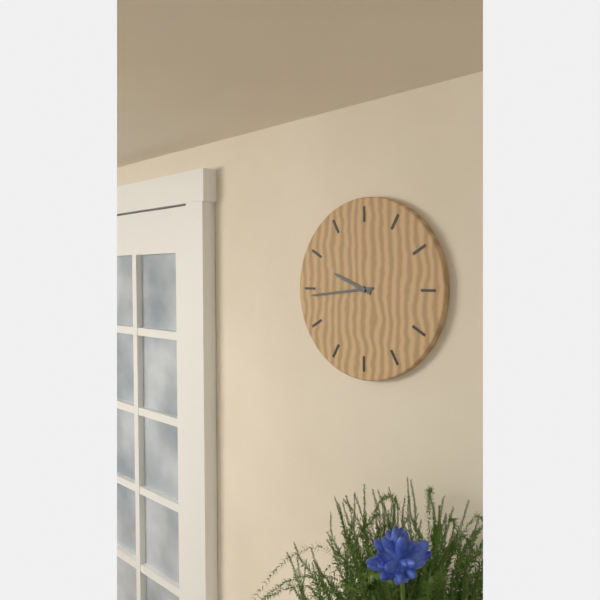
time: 9:44
